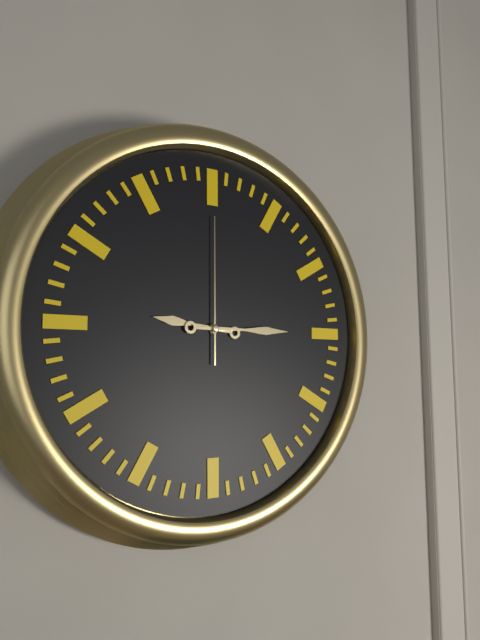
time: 9:15:00
